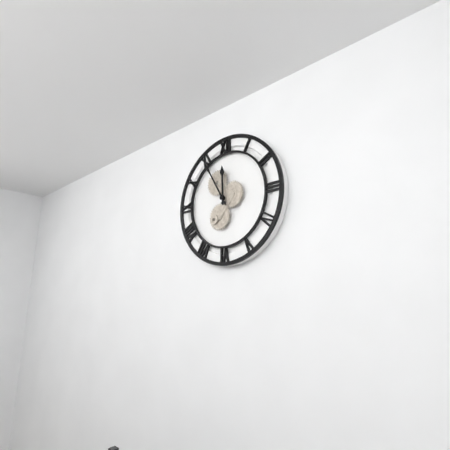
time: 11:55
